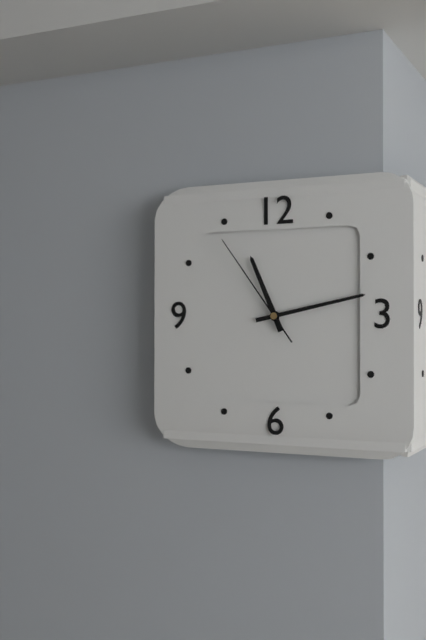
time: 11:13:54
